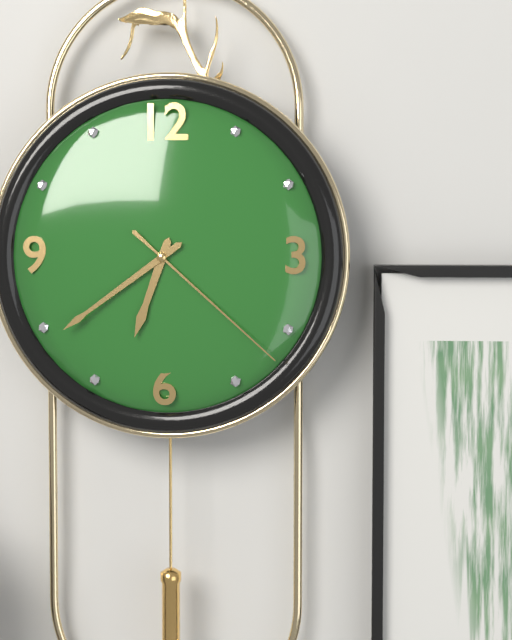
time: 6:39:22
